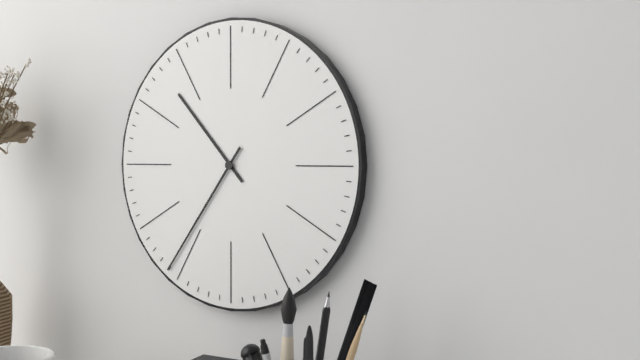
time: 10:36
